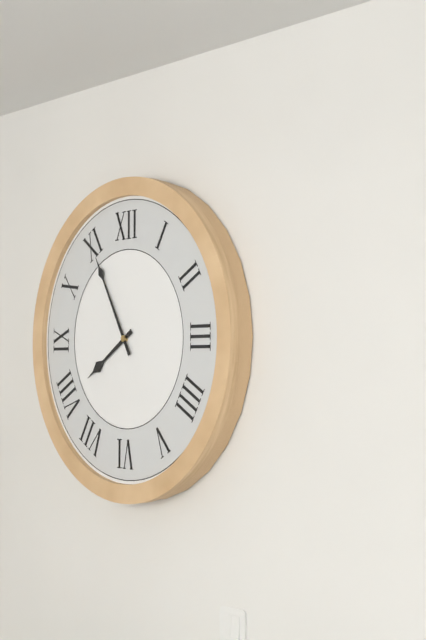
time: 7:55
